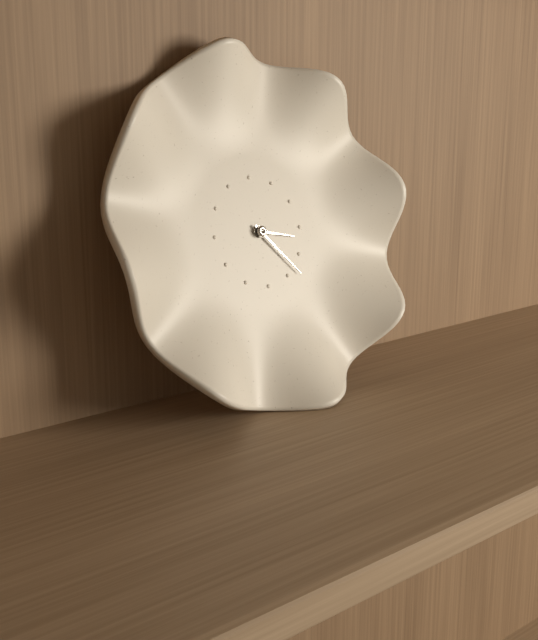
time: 3:23
